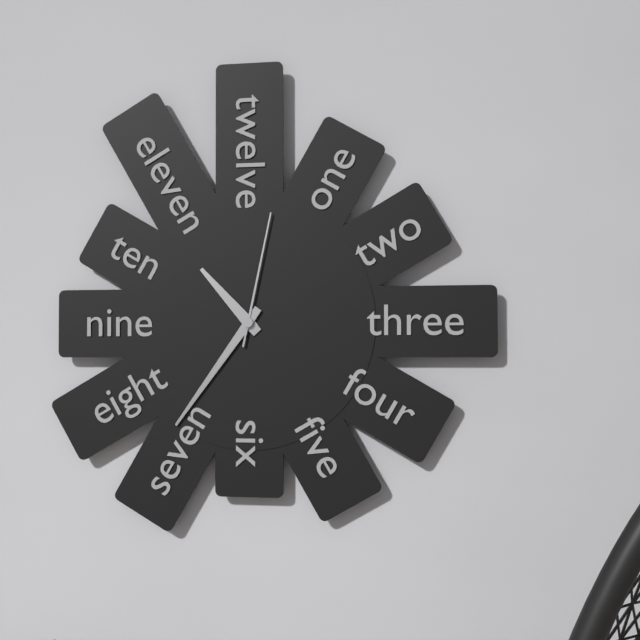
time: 10:36:02
